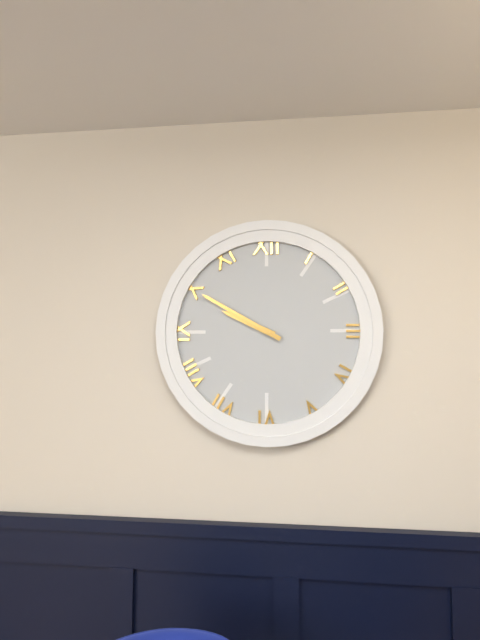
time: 9:50
